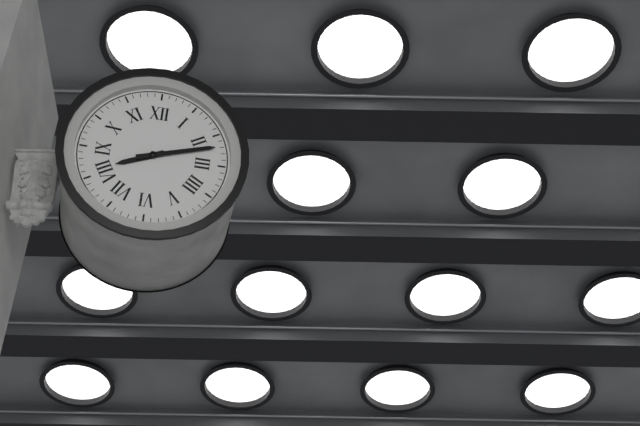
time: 8:12
